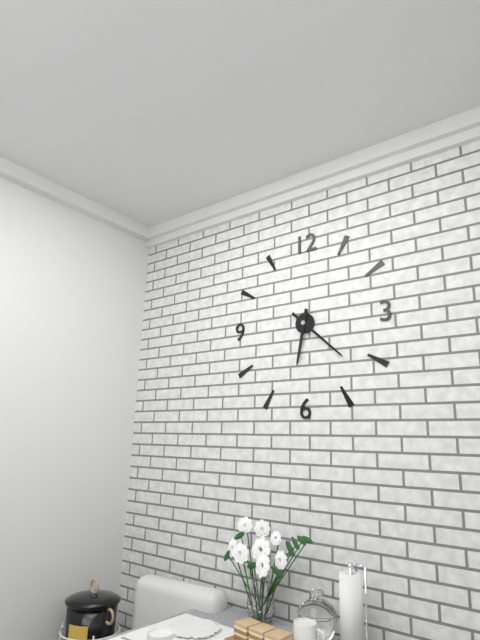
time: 6:22
